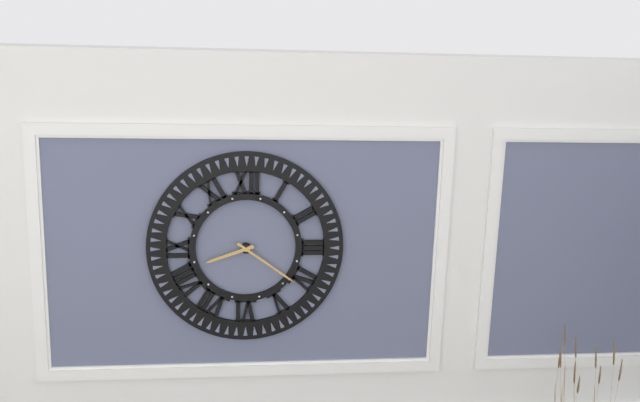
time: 8:21
